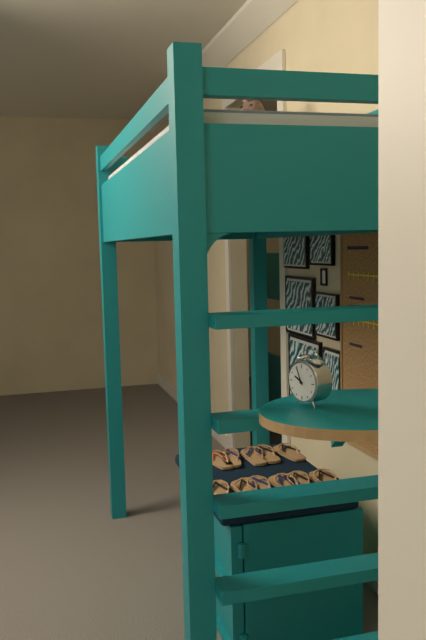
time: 9:56
